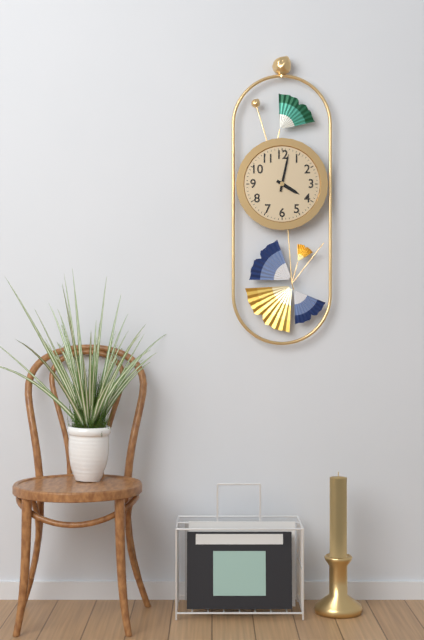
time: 4:02
